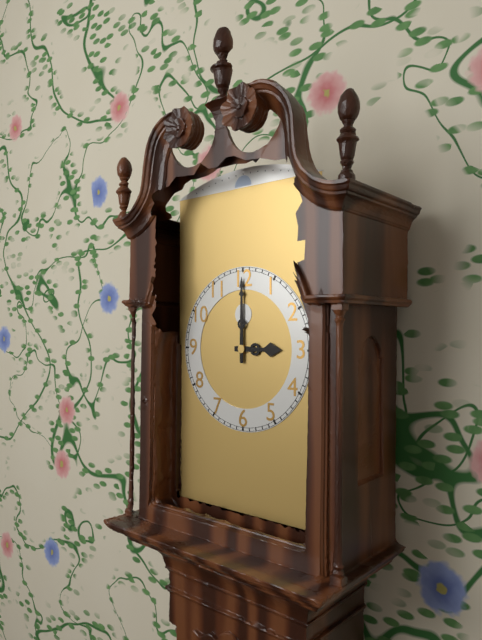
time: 3:00
